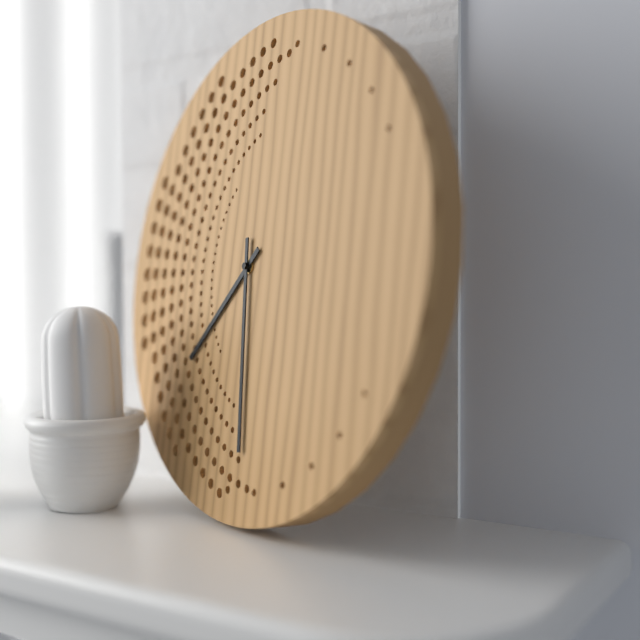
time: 7:29
